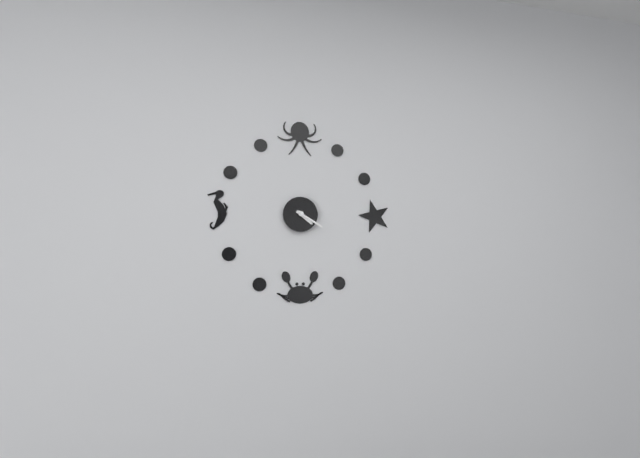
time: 4:20
